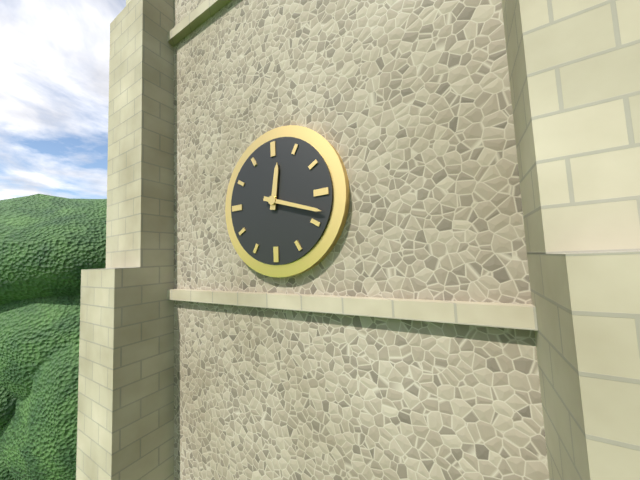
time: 12:18
